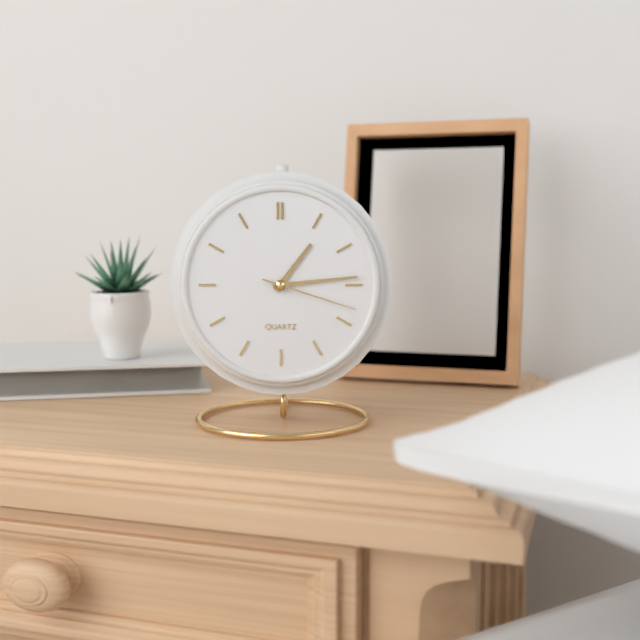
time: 1:14:18
